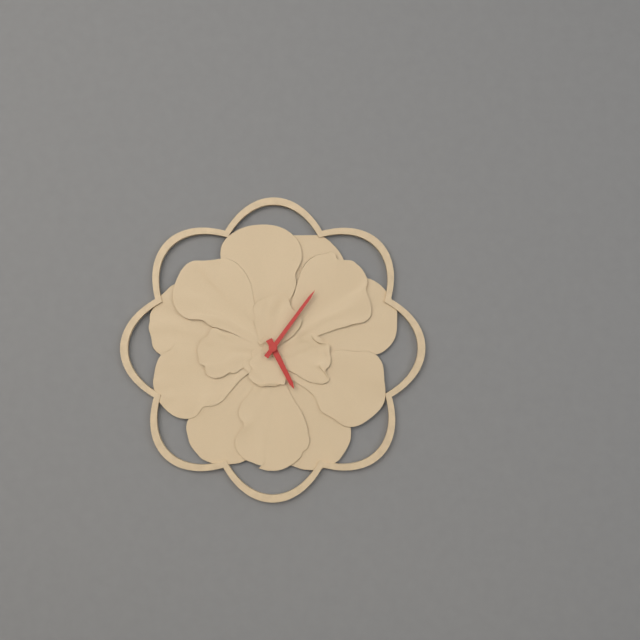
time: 5:06
